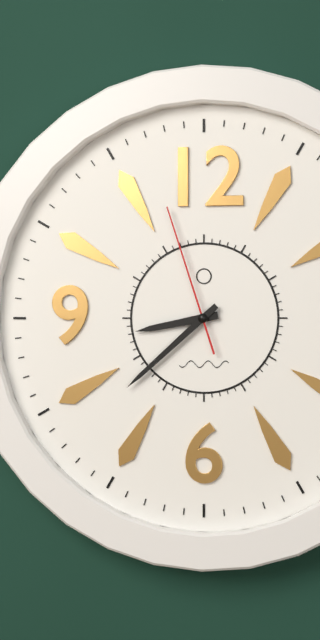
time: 8:38:57
